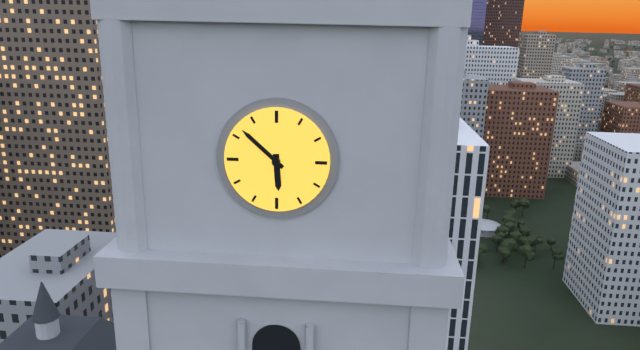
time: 5:52
